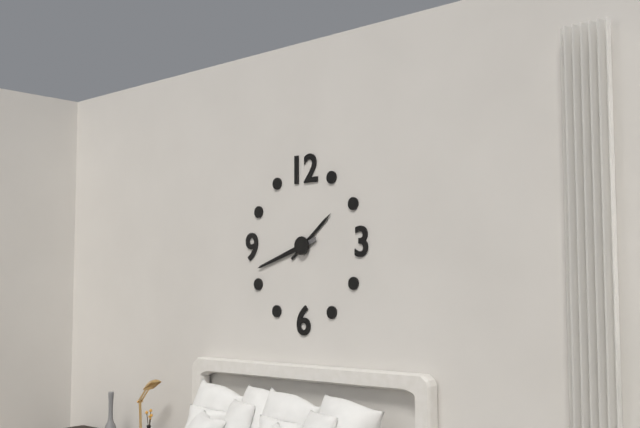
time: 1:42
